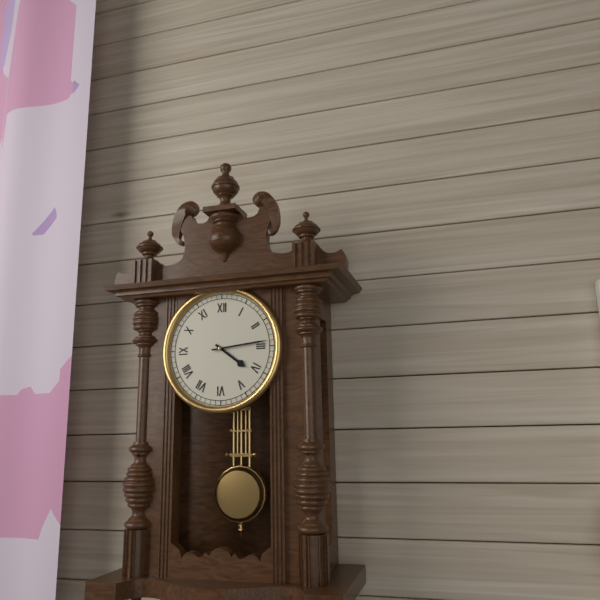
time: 4:14
